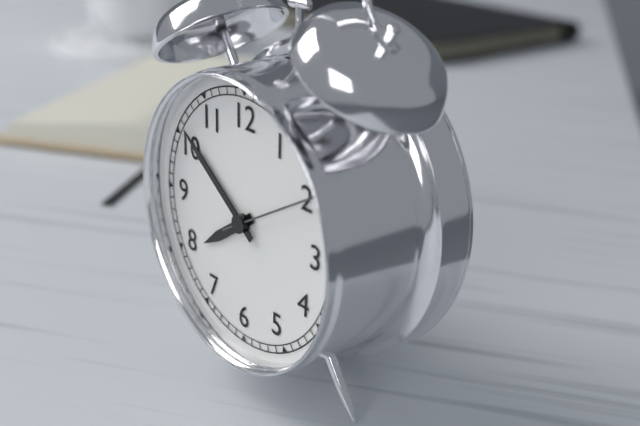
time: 7:51:10
